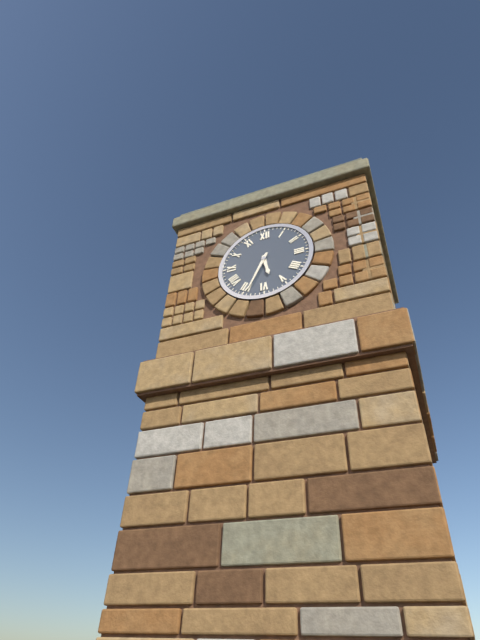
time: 5:34
